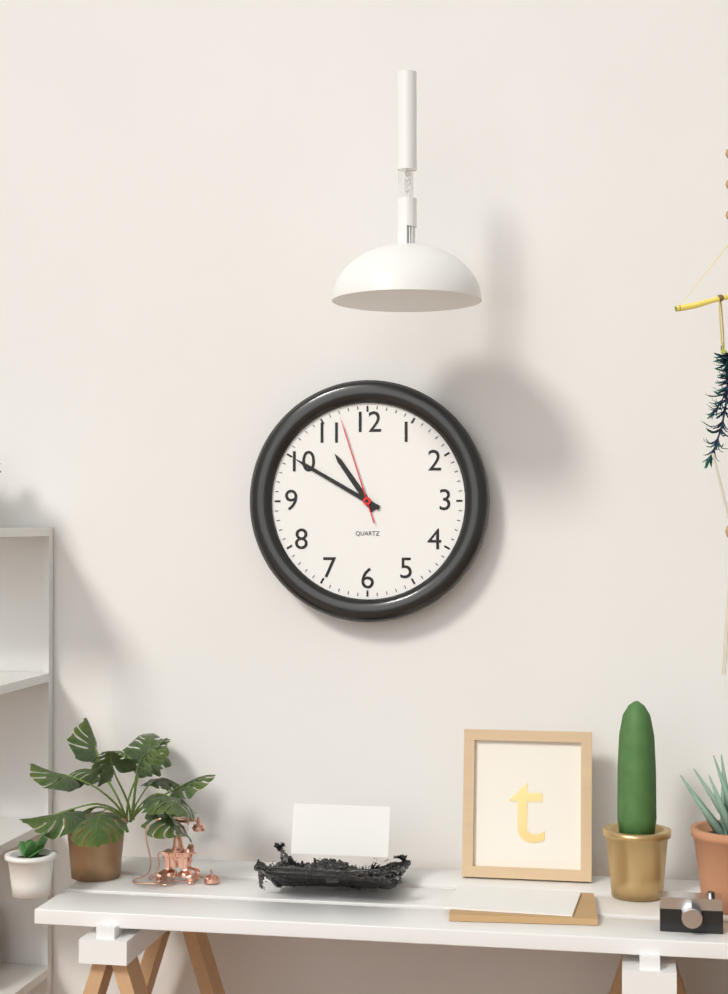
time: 10:50:57
